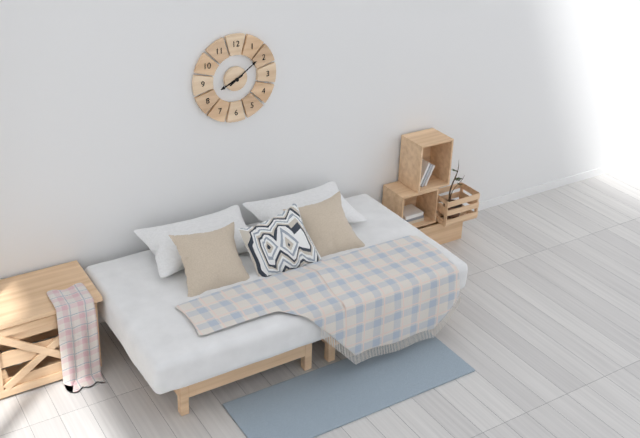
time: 8:09
